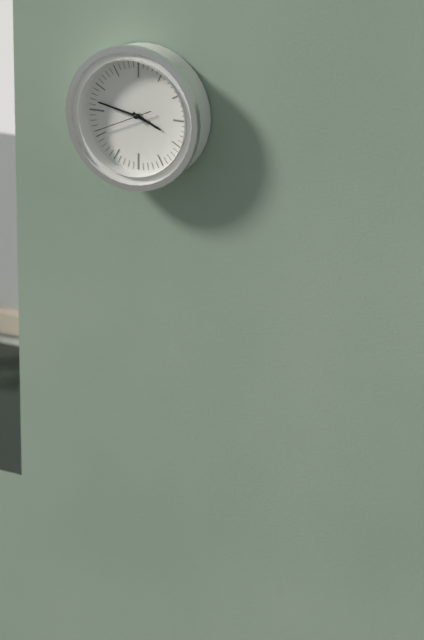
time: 3:47:41
